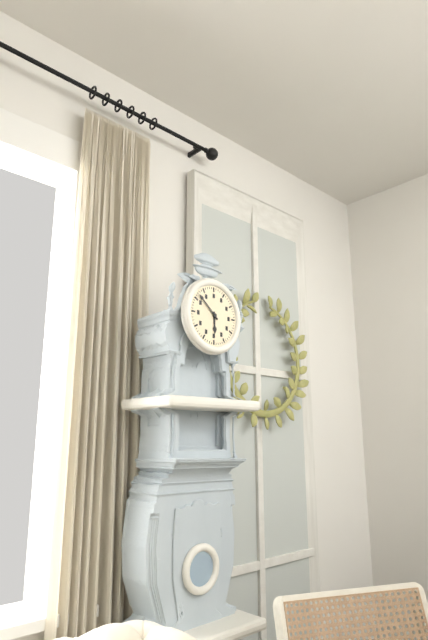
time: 5:52
